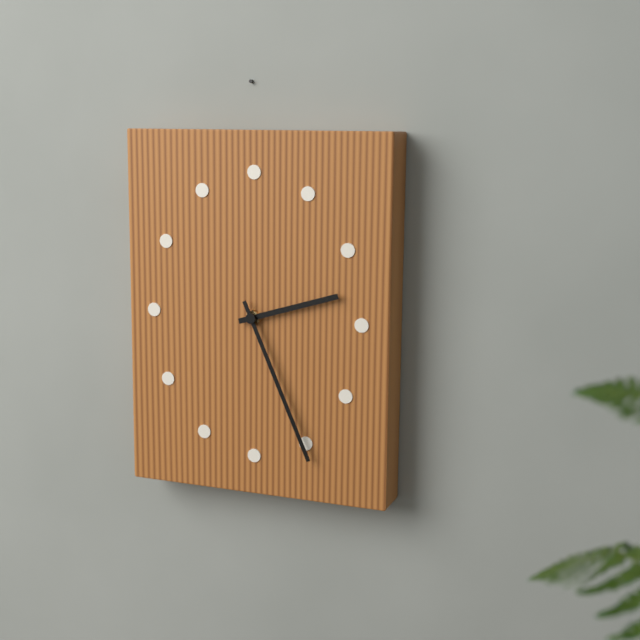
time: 2:26
